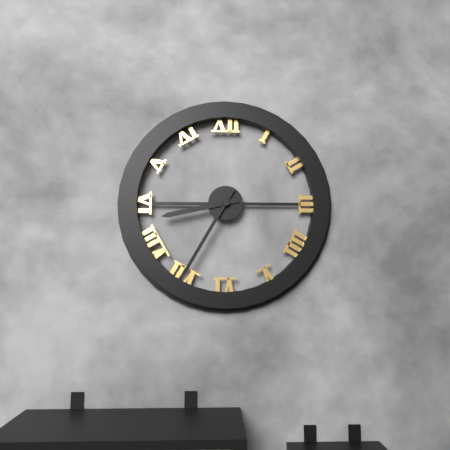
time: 8:35
